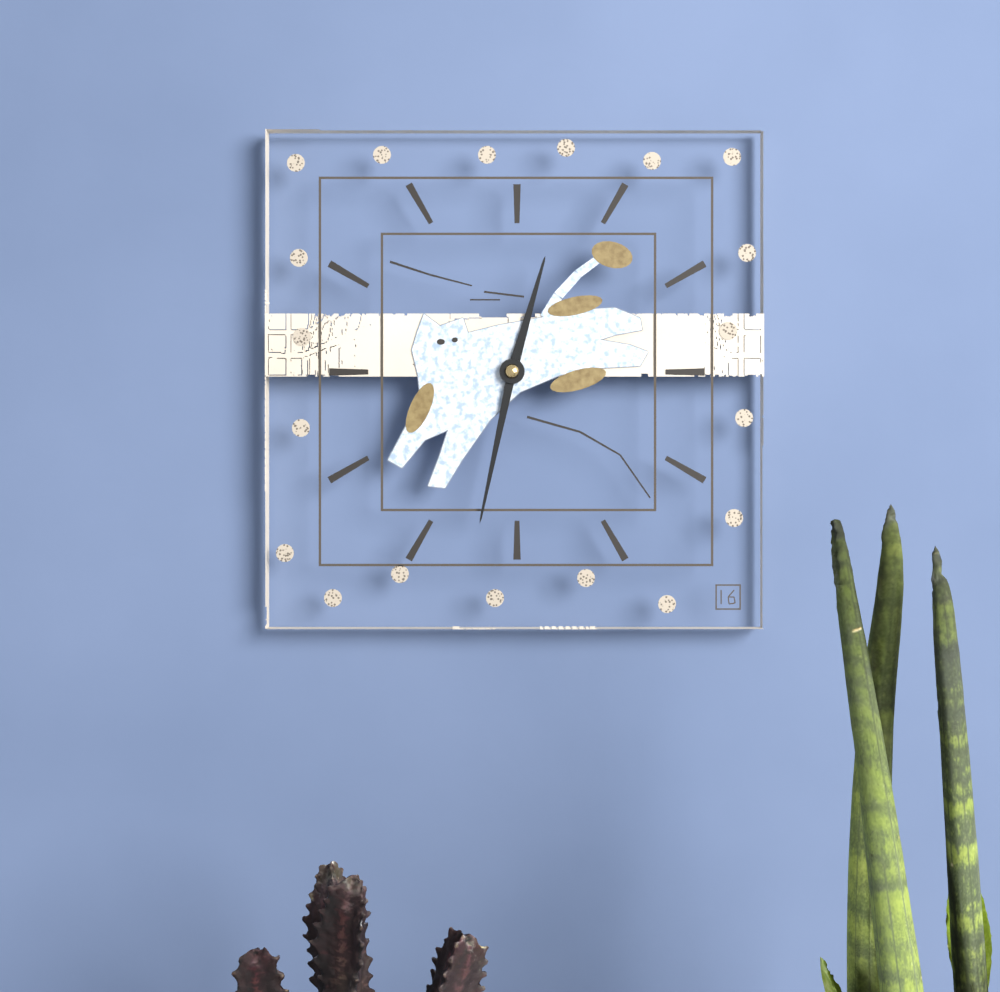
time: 12:32
